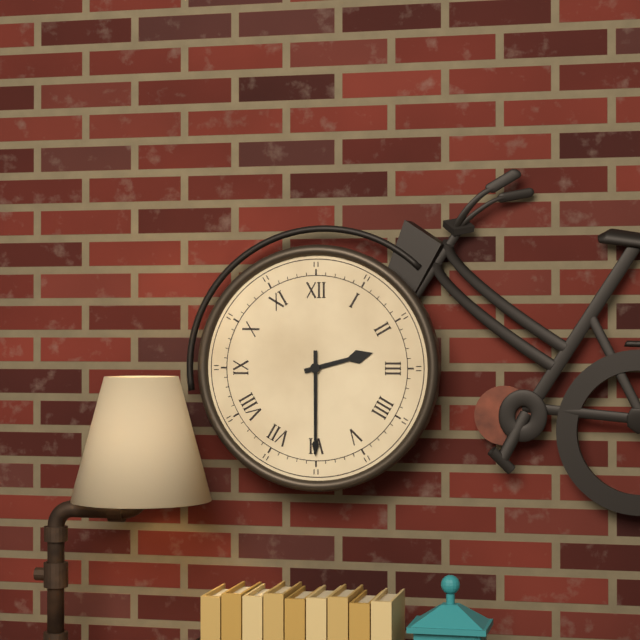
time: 2:30
